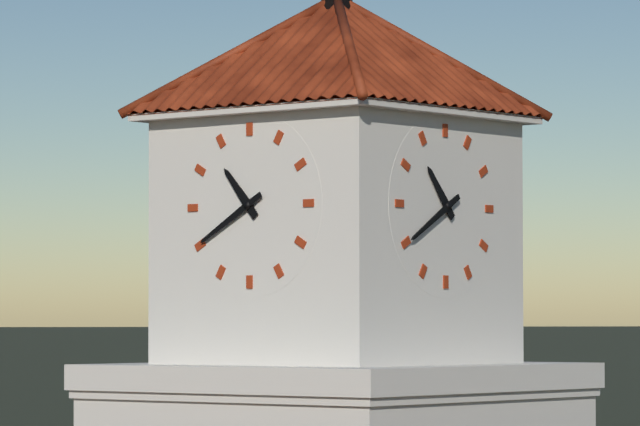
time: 10:40
